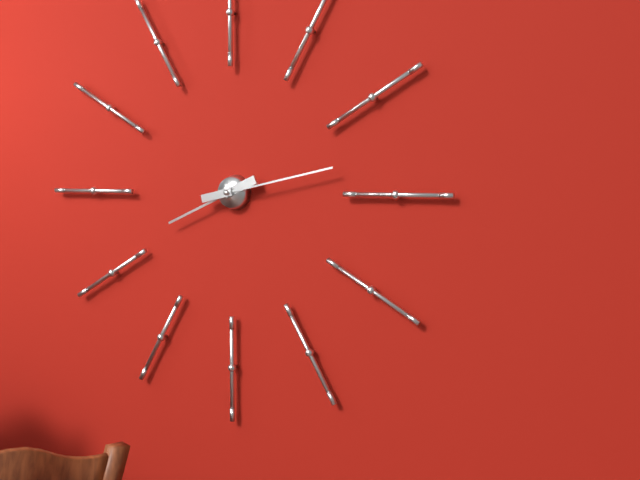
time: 8:13
